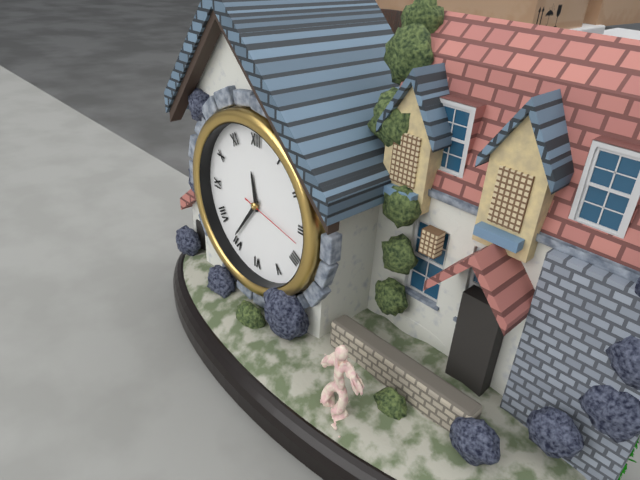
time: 11:36:17
